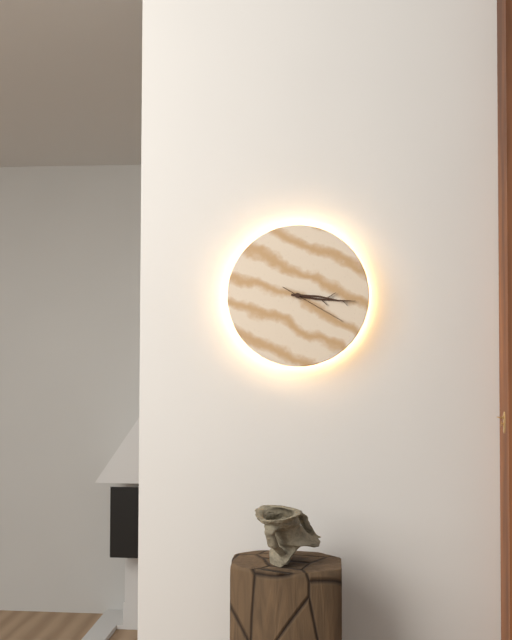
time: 3:16:20
